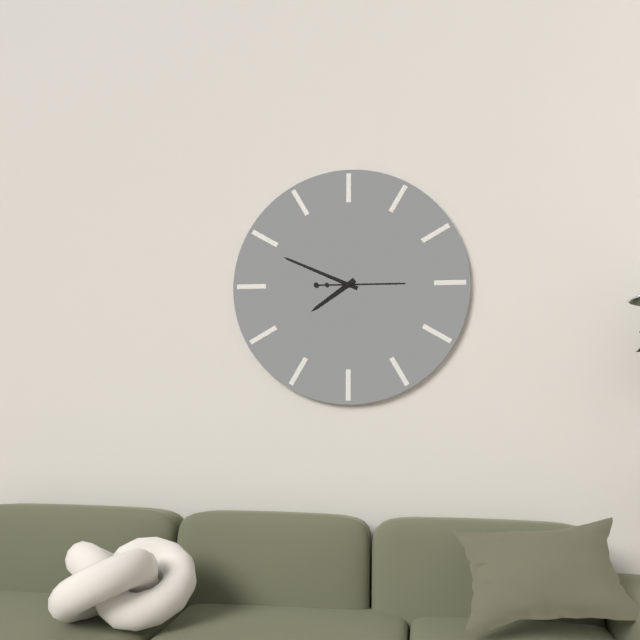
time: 7:49:15
